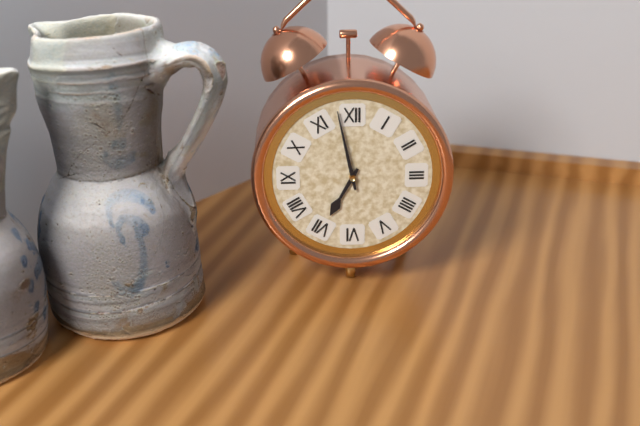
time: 6:58
